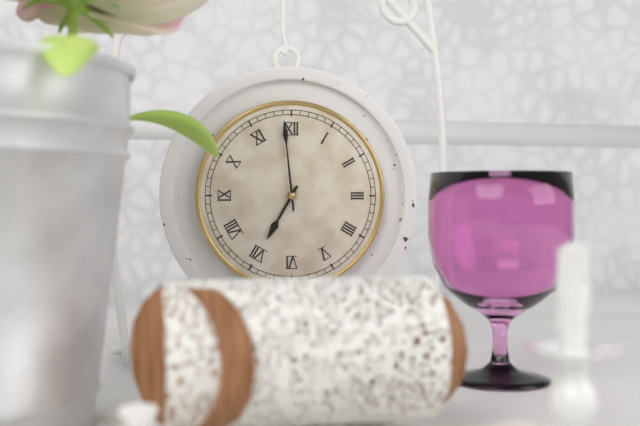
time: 6:59
